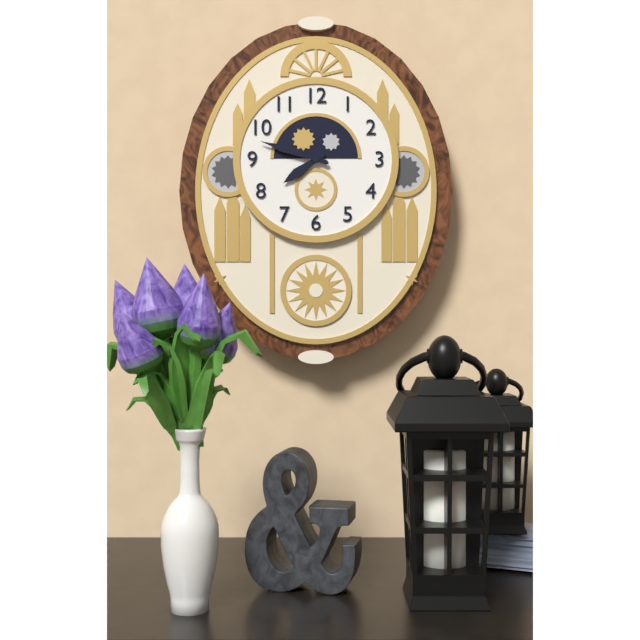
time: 7:48
